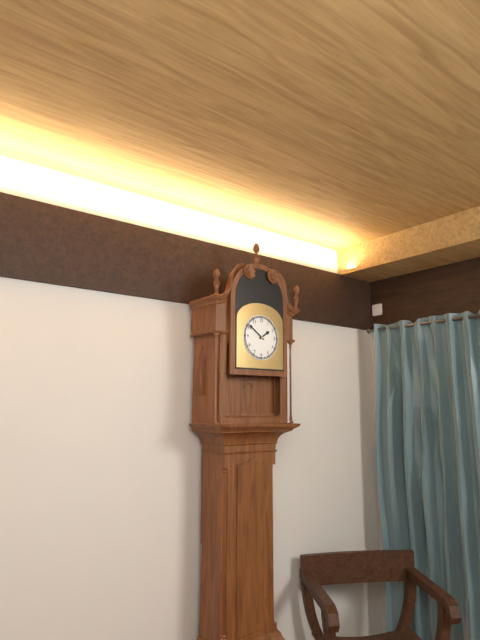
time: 1:51
